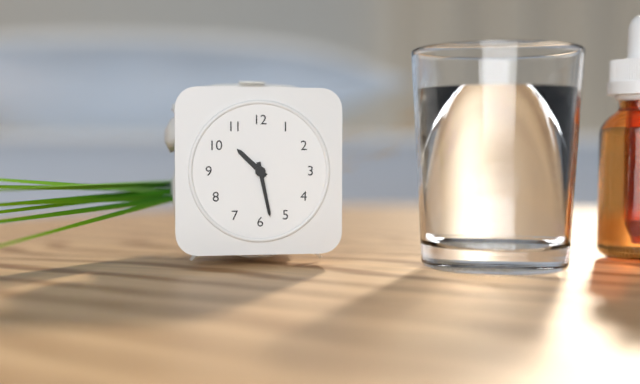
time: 10:28
